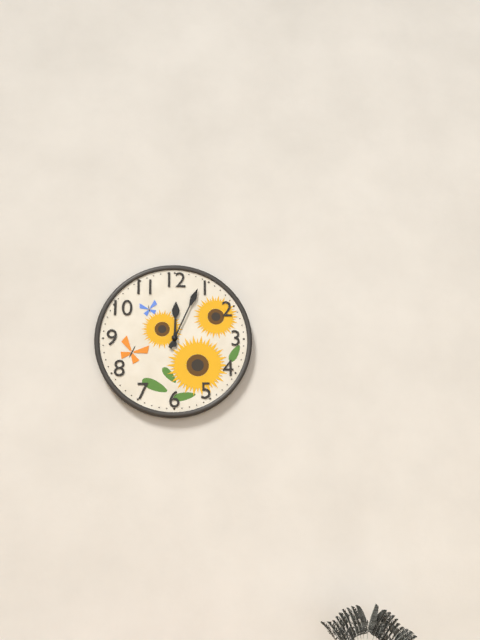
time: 12:04
